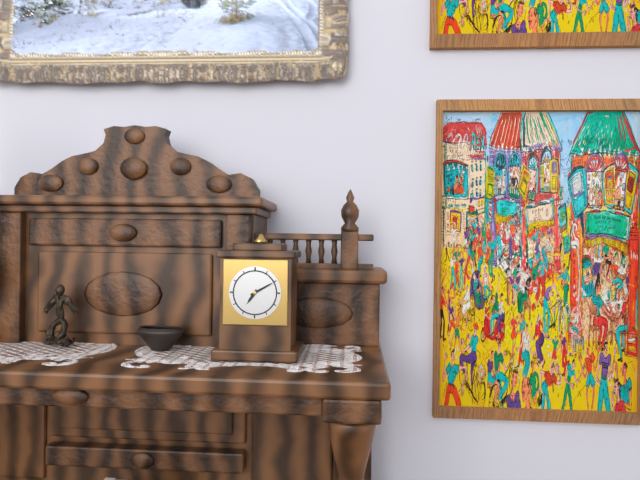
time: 7:10
